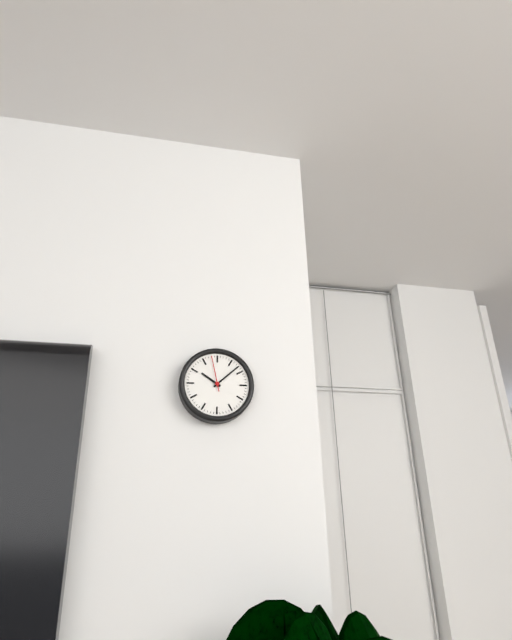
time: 10:08
